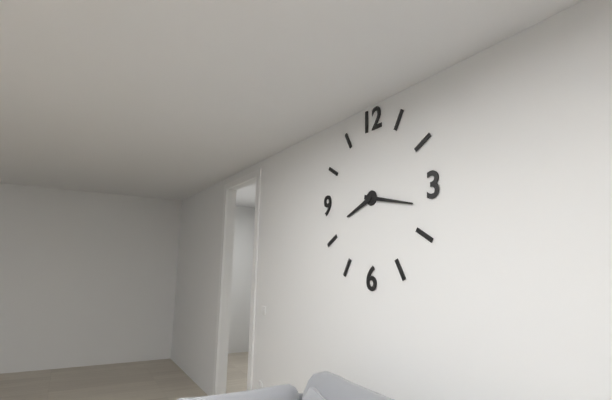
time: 8:17
